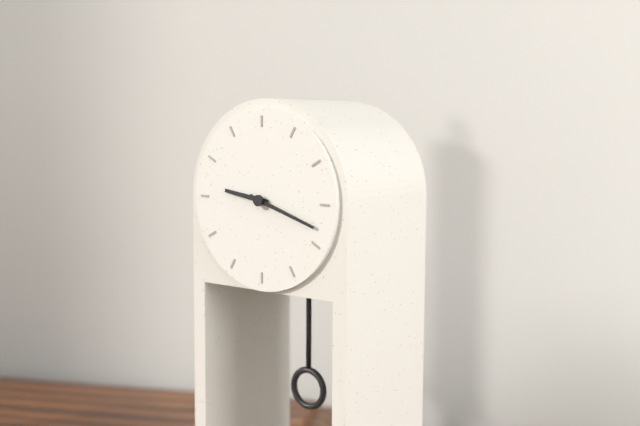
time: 9:18
